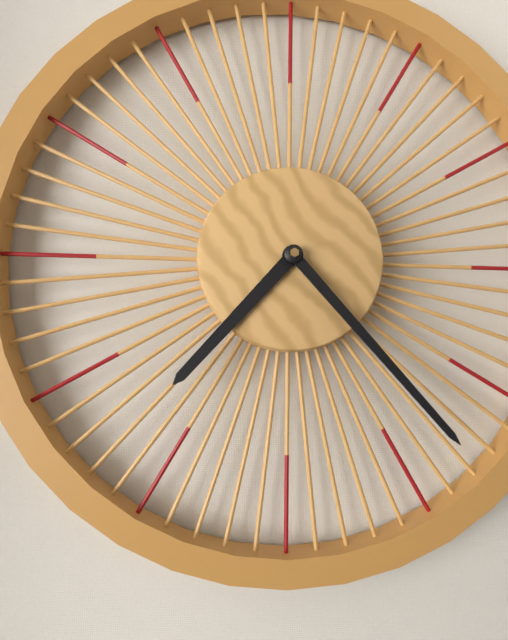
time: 7:23
